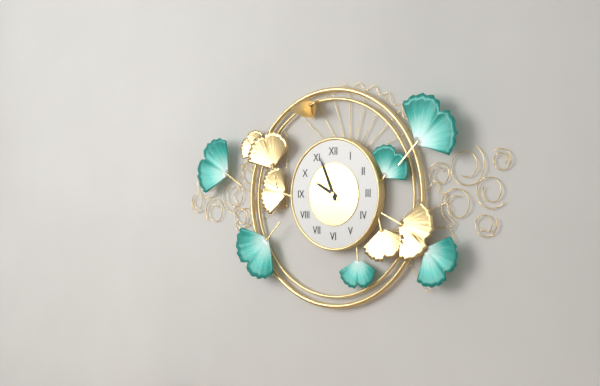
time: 9:56
